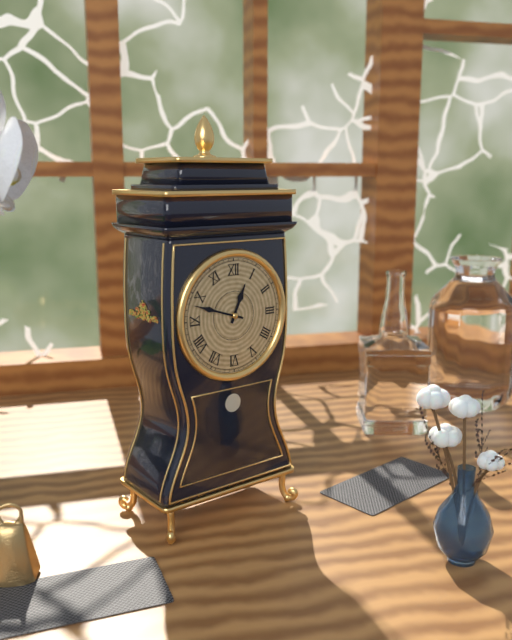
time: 12:48
